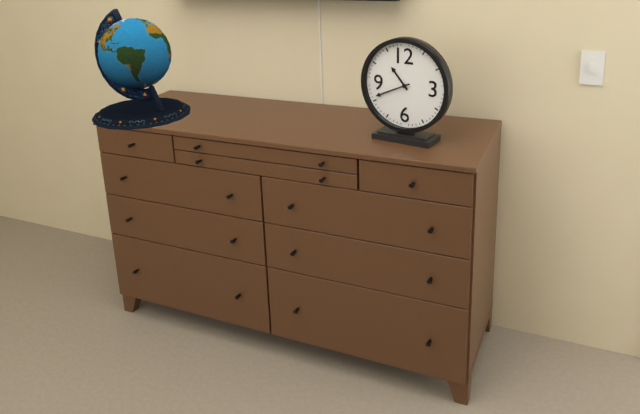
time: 10:41
